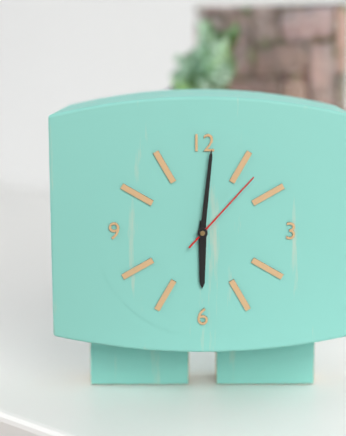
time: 6:01:07
